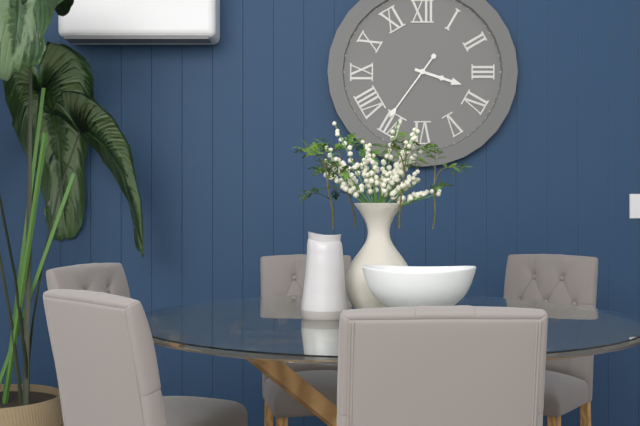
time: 3:36
